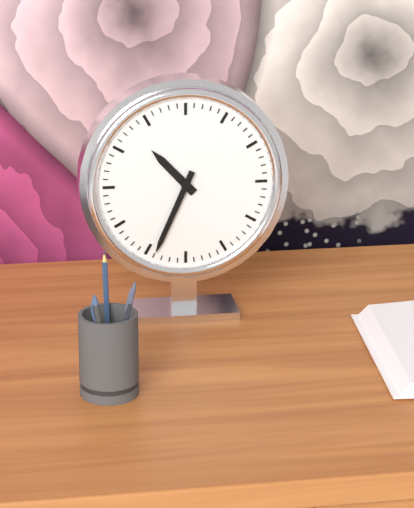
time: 10:34
